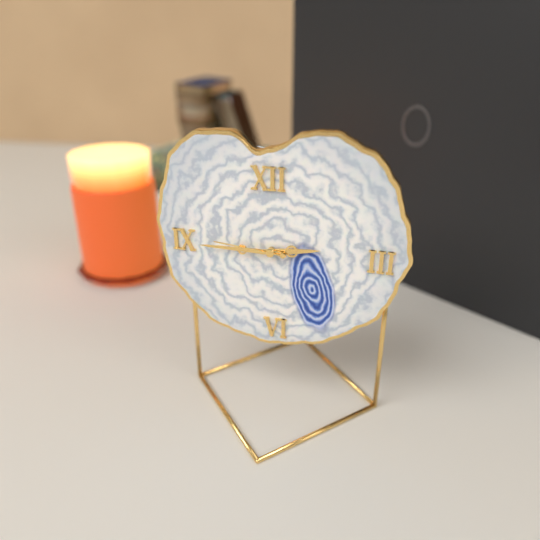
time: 2:45:46
